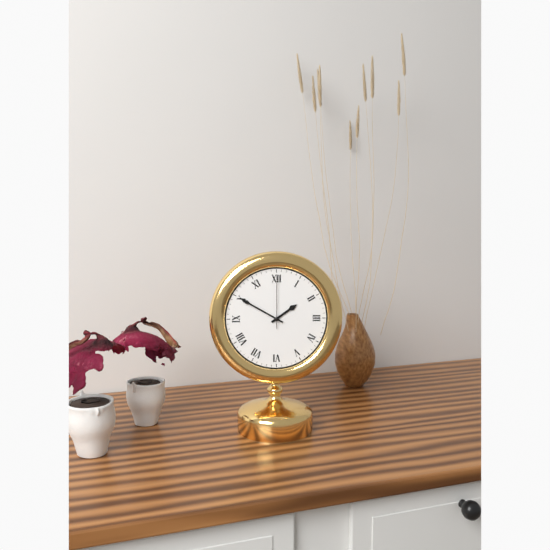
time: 1:50:00
